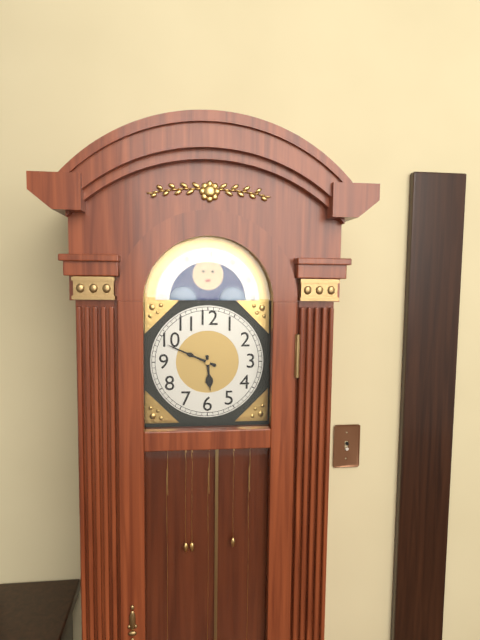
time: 5:49
